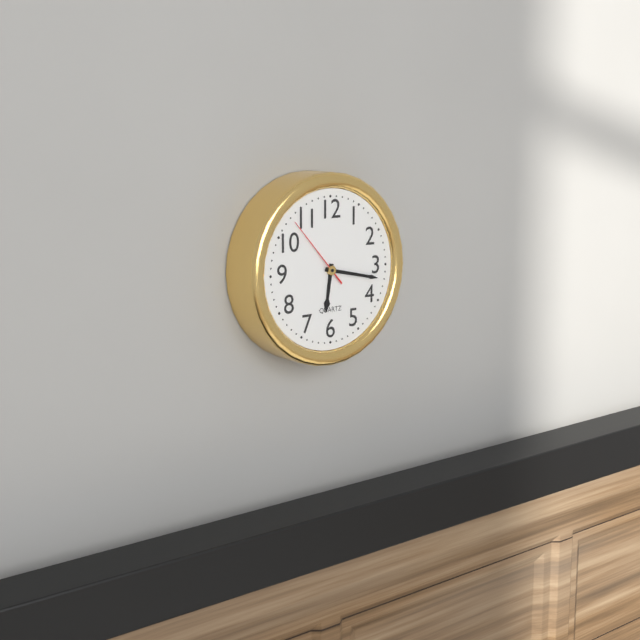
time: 6:17:53
